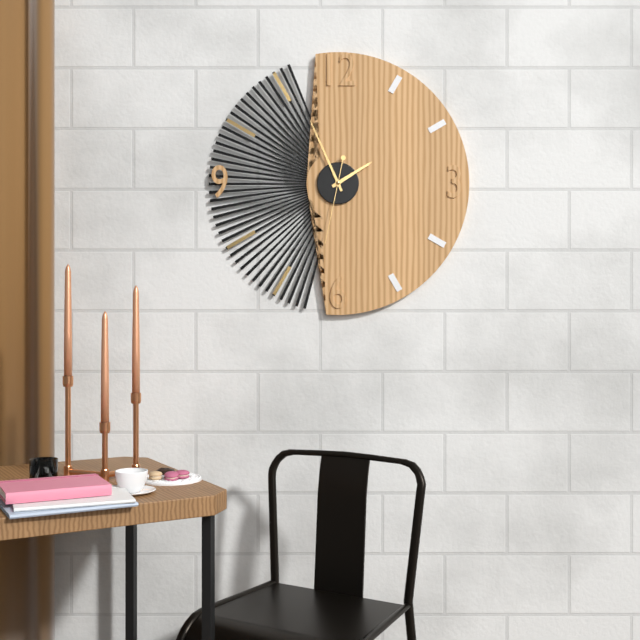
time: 1:56:32
